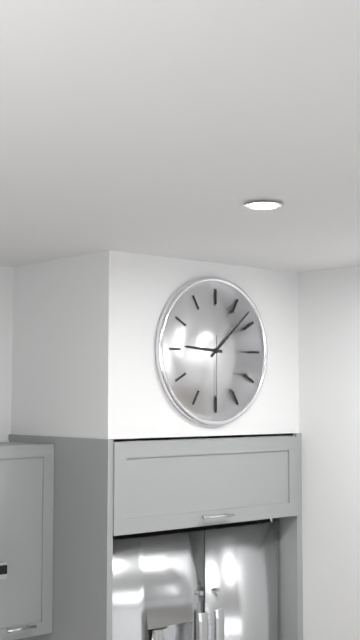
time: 9:08:30
